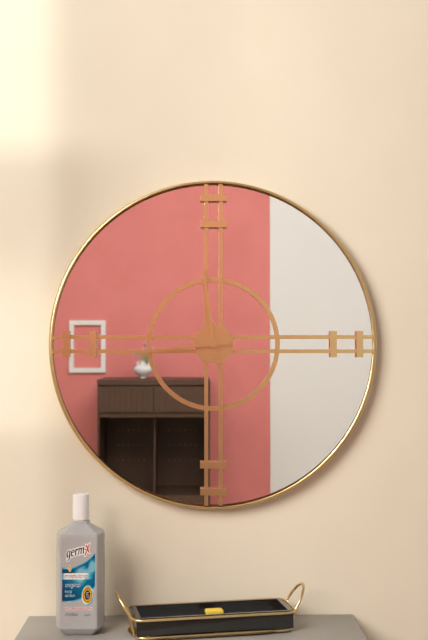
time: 11:44
